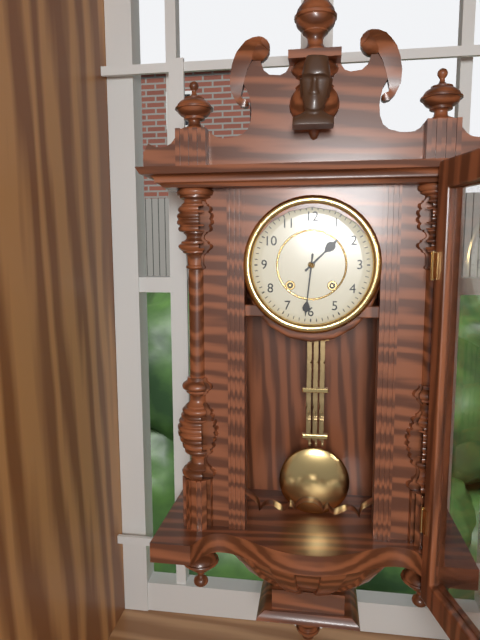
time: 1:31
